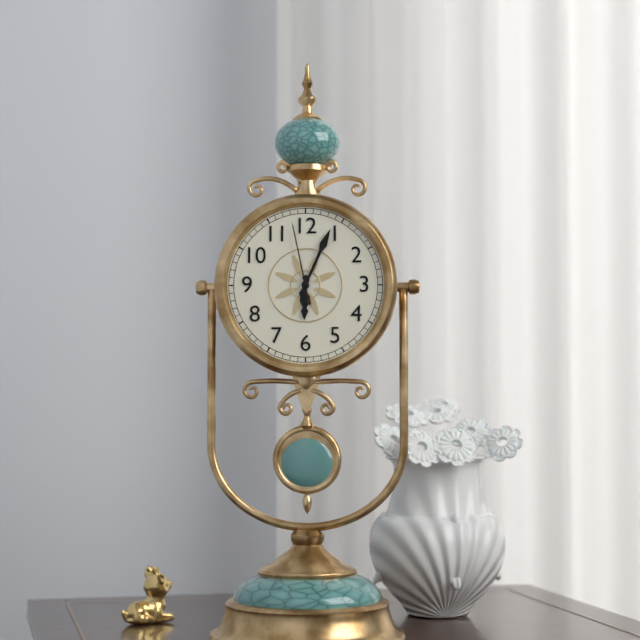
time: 6:04:58
